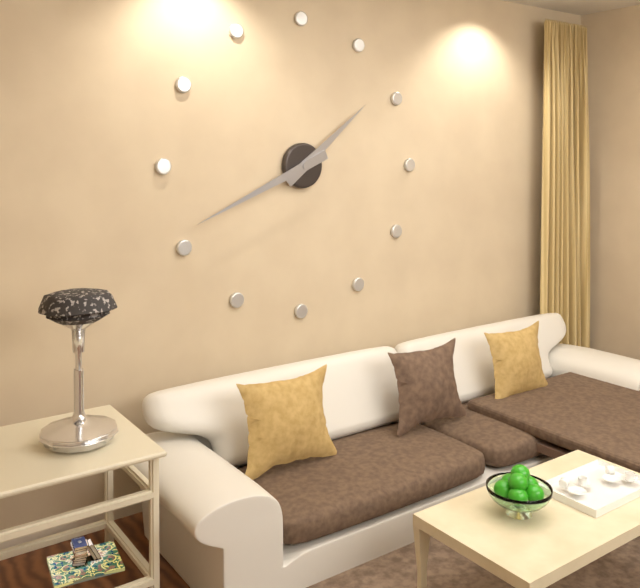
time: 1:41
